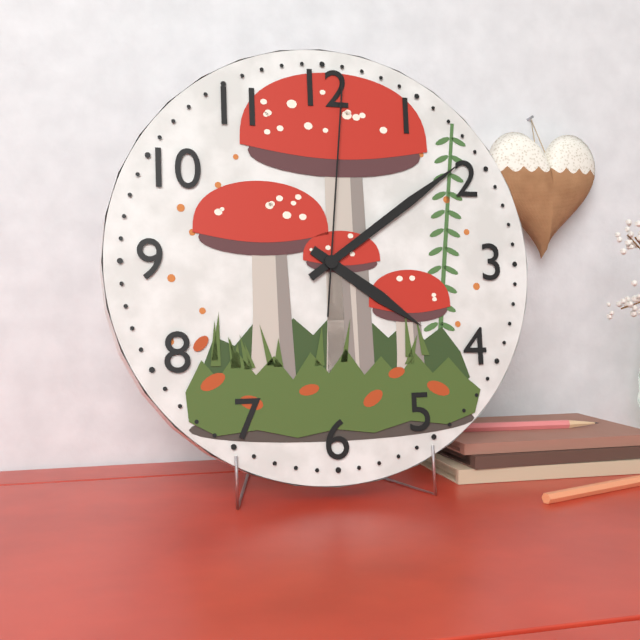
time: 4:09:01
